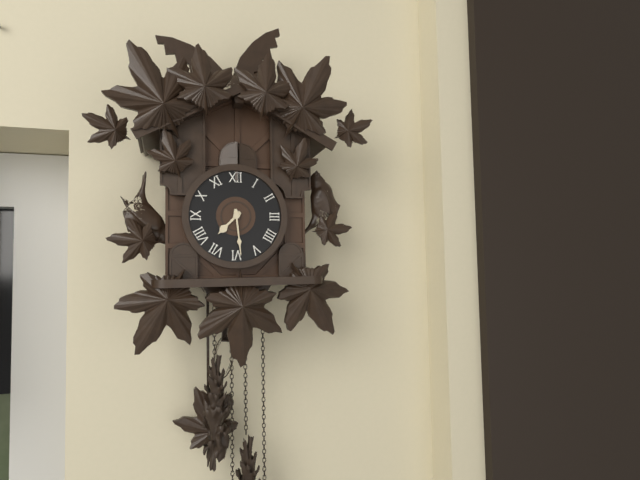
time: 7:29
